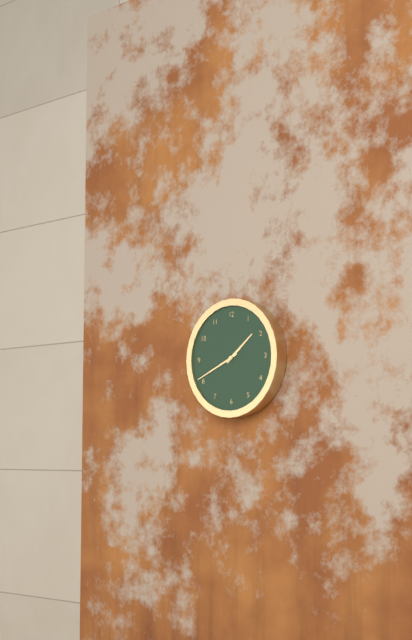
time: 1:41
